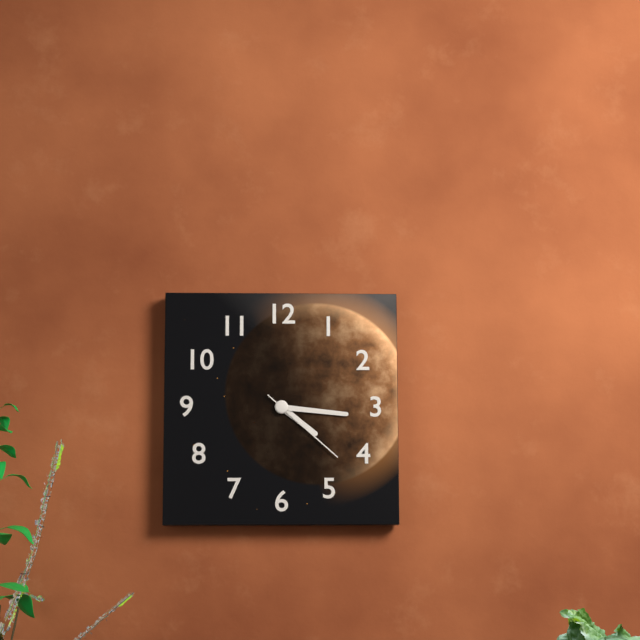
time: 4:16:22
